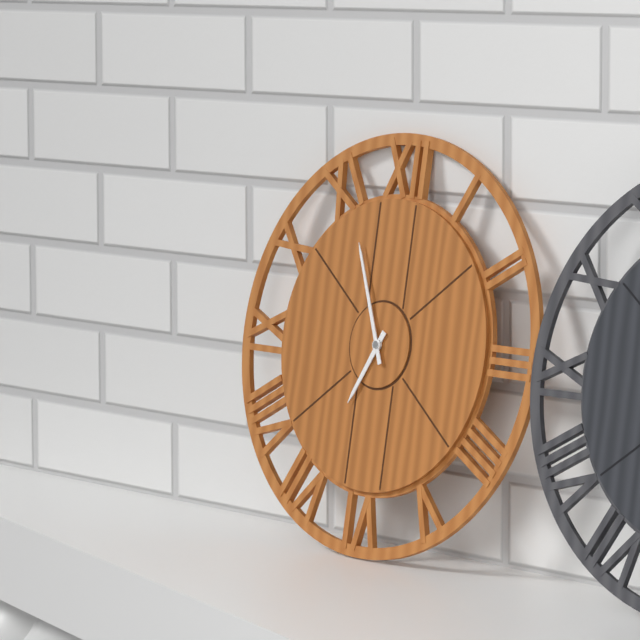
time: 6:56
